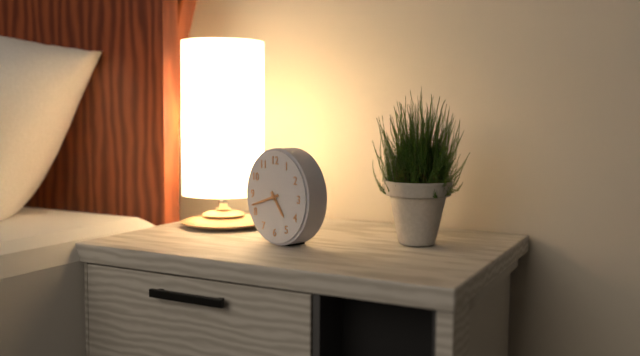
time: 4:42
